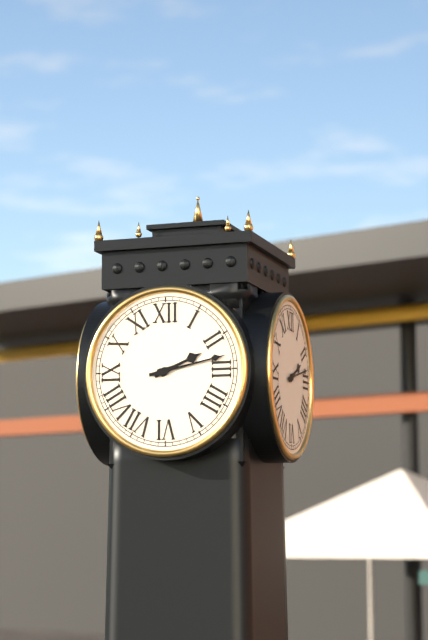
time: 2:13
